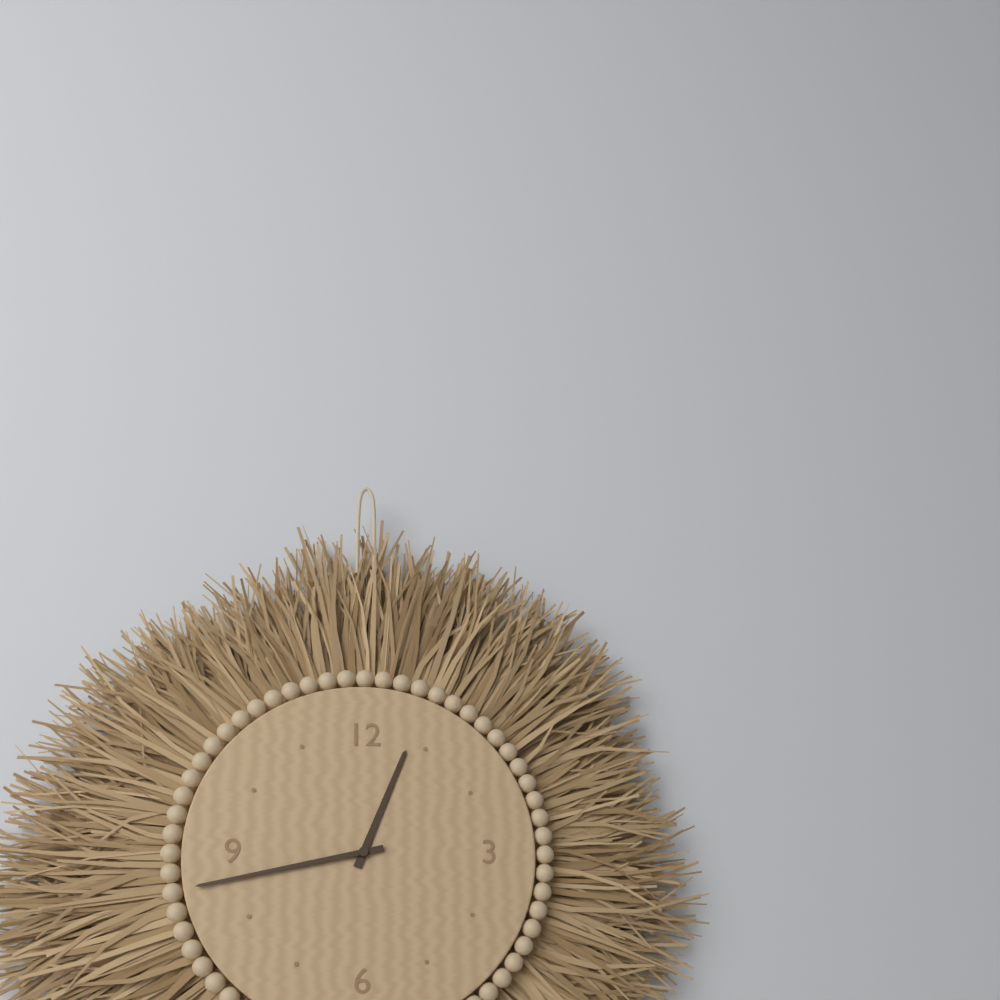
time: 12:43
